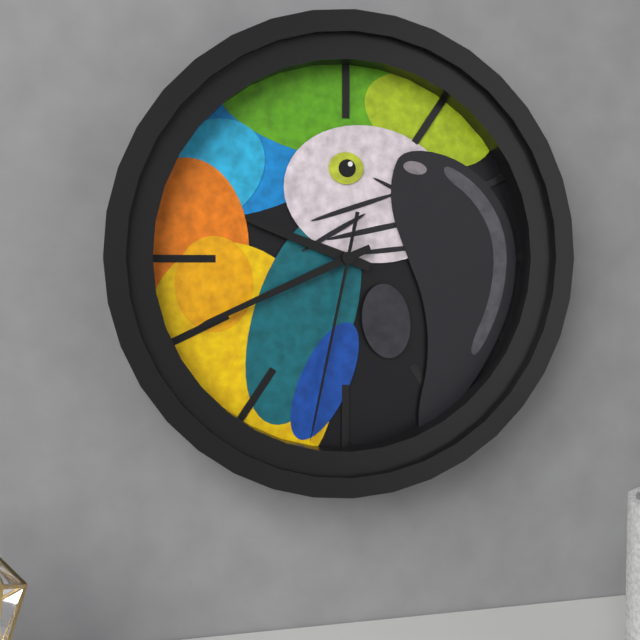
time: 9:41:32
